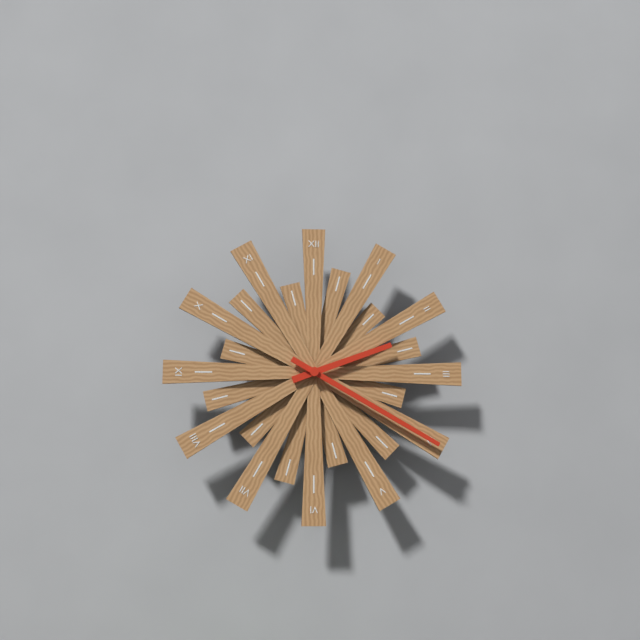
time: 2:20
